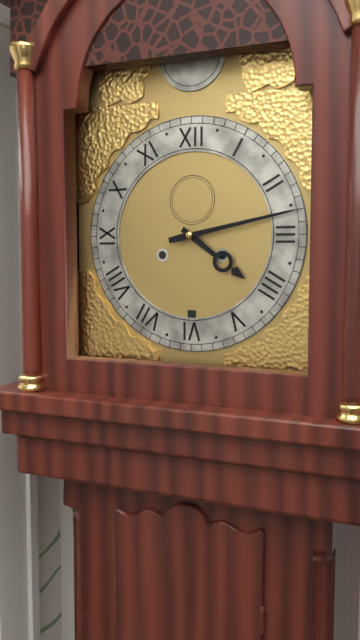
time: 4:13
